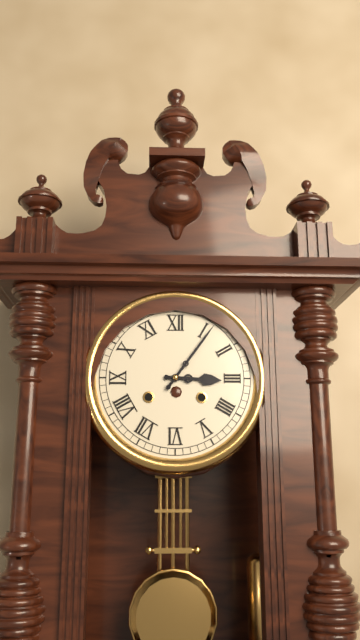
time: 3:06
